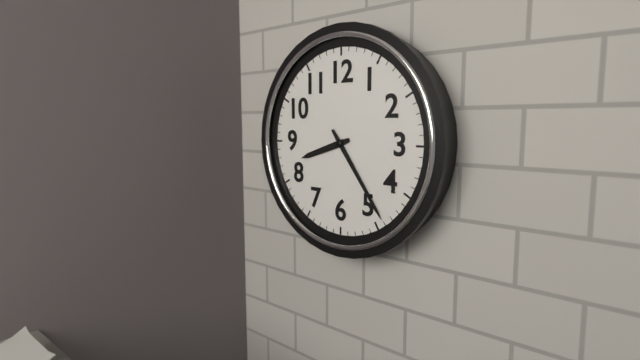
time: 8:24
